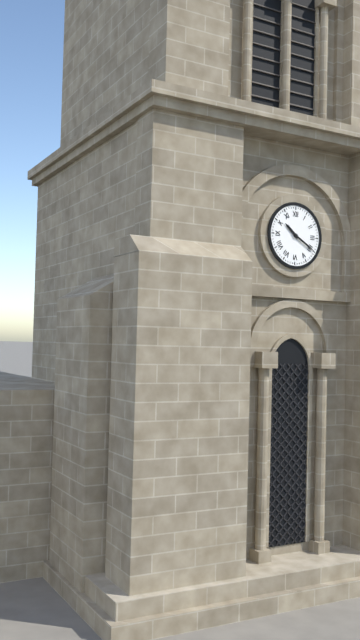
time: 10:20
